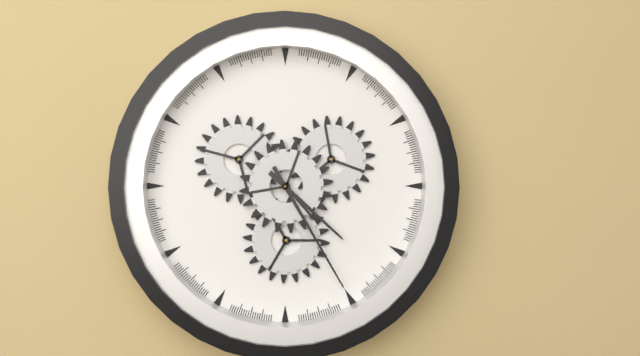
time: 4:25
